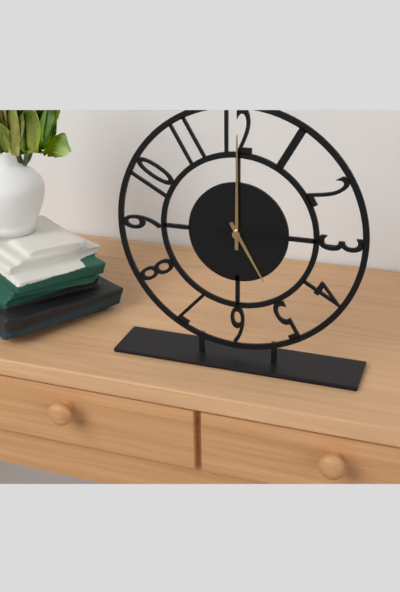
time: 5:00:15
